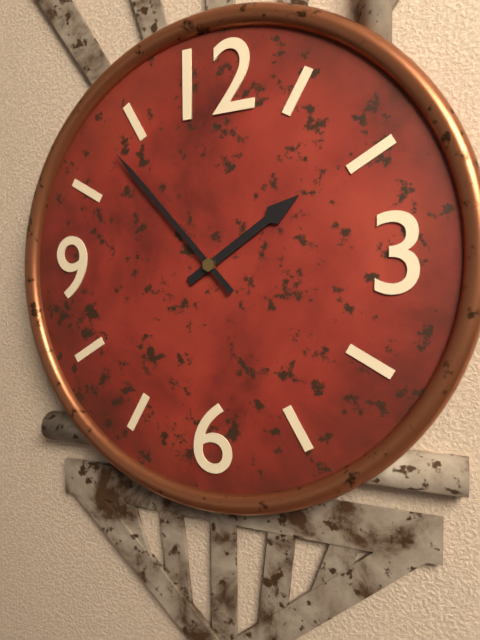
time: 1:53
